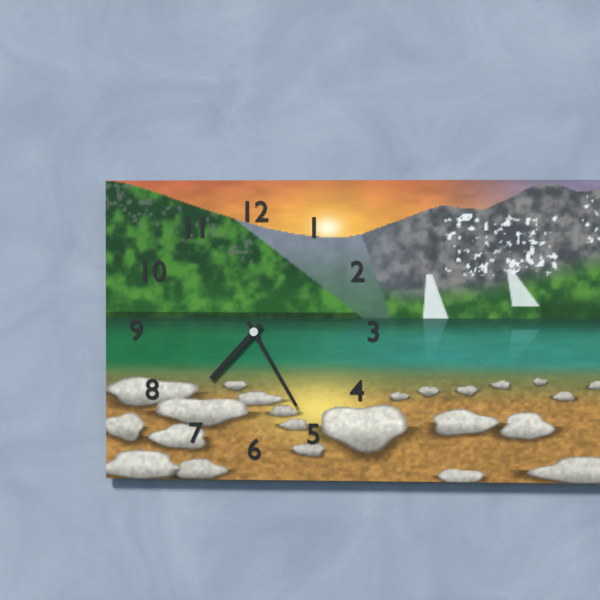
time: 7:25
